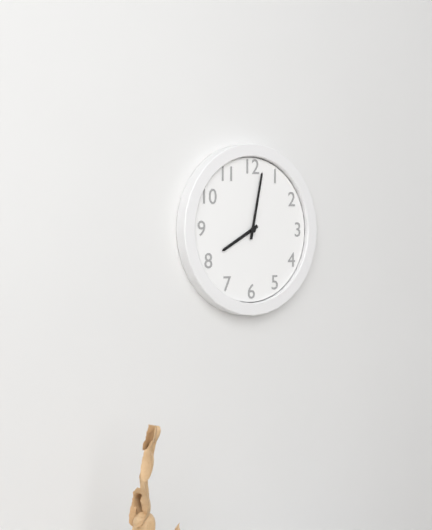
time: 8:02
